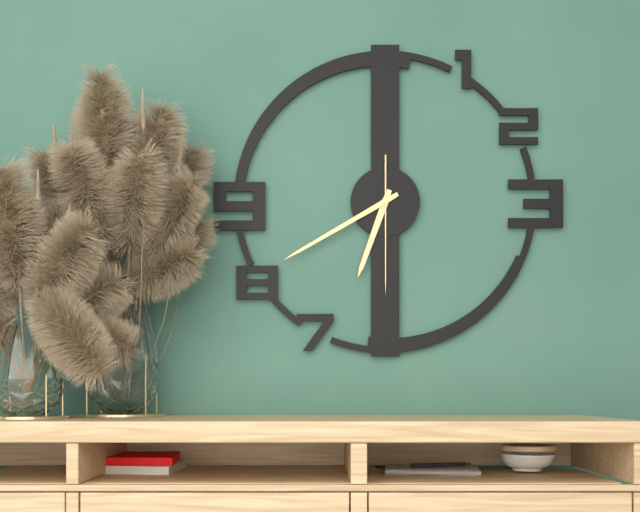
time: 6:40:30
